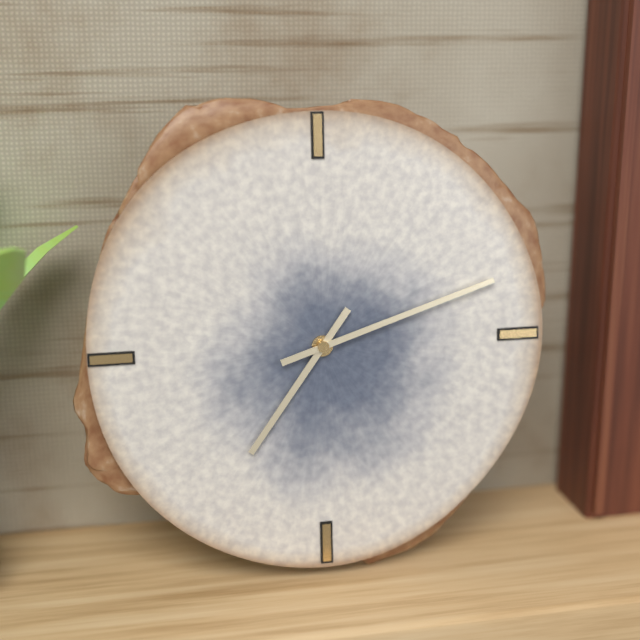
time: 7:12
